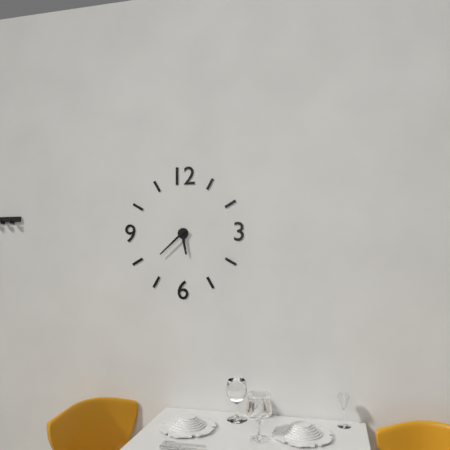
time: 5:38
